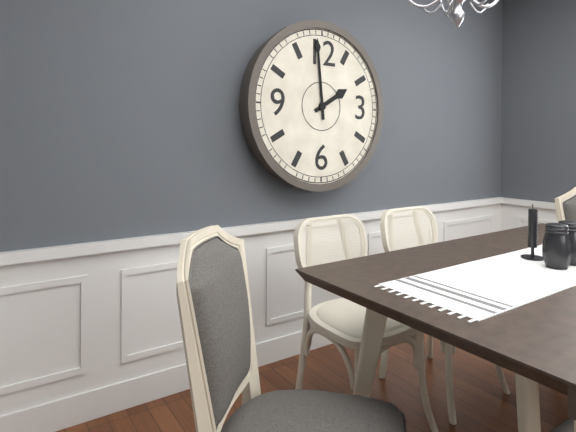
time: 1:59
